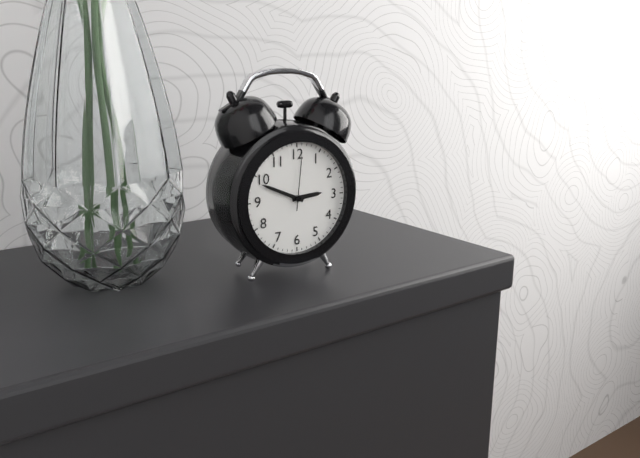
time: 2:49:01
